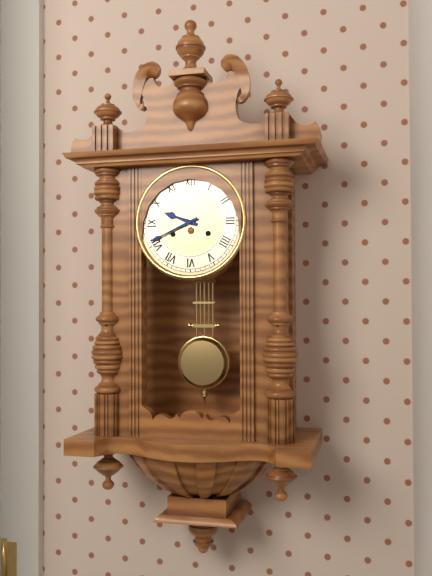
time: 9:41
